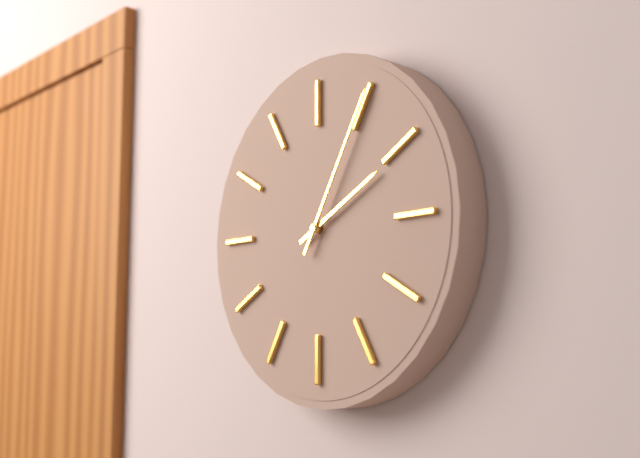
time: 2:05
